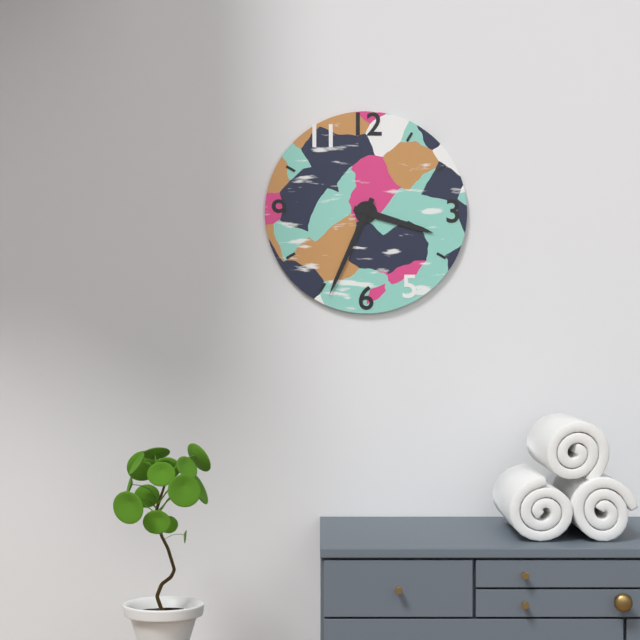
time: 3:34
